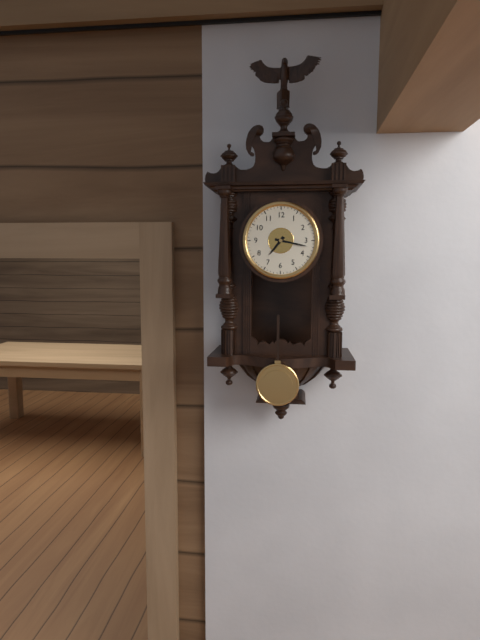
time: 7:17
